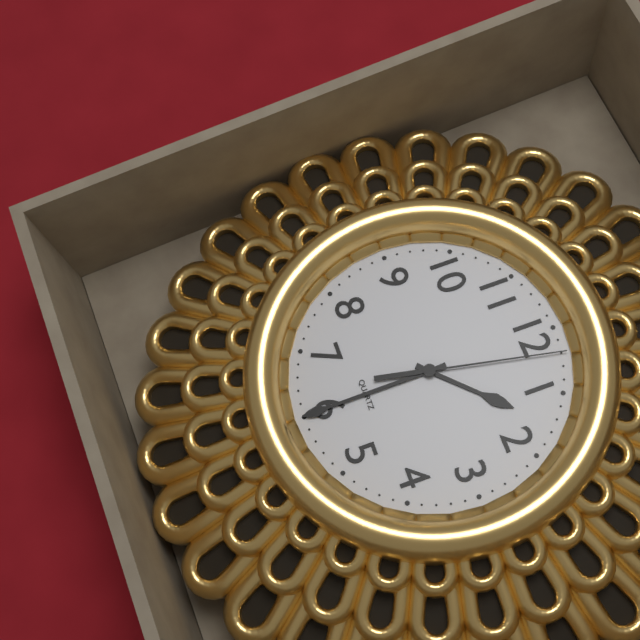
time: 1:30:02
